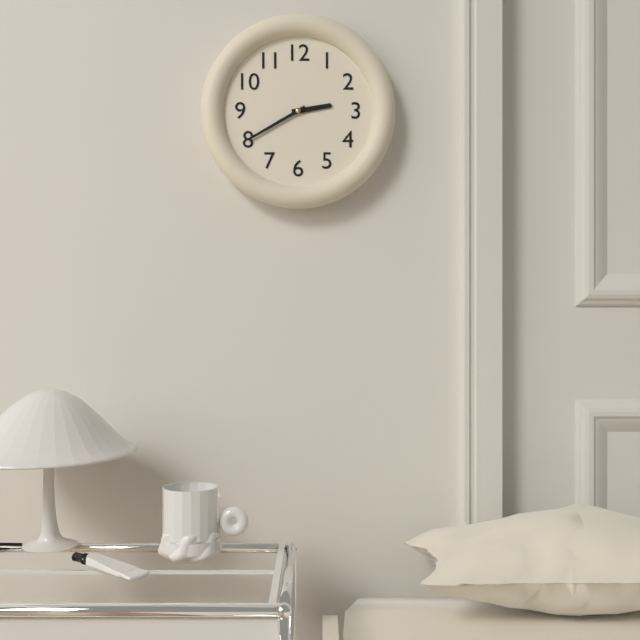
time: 2:40
